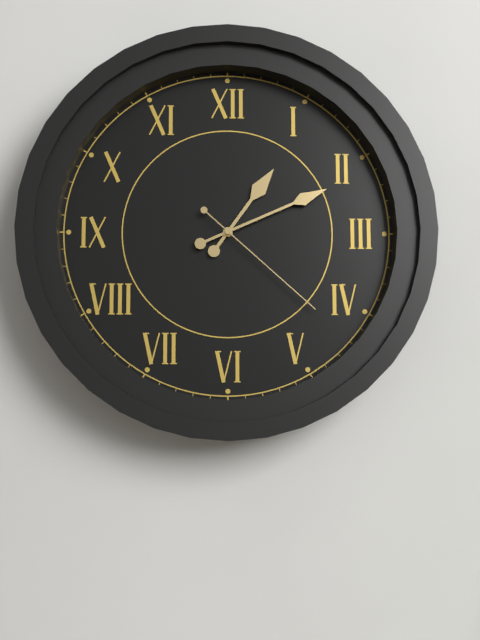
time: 1:11:22
